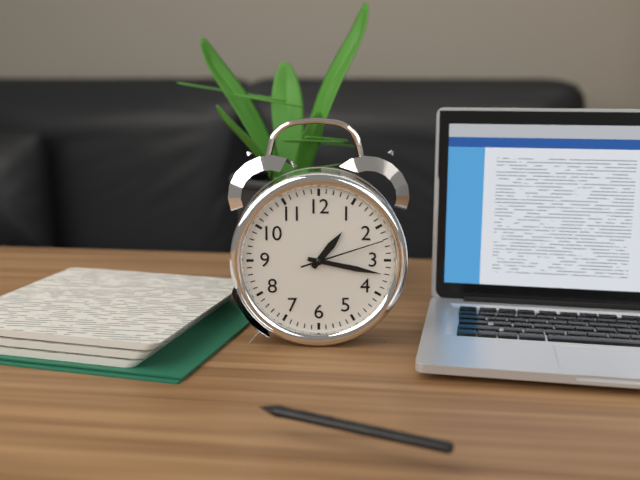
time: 1:17:12
